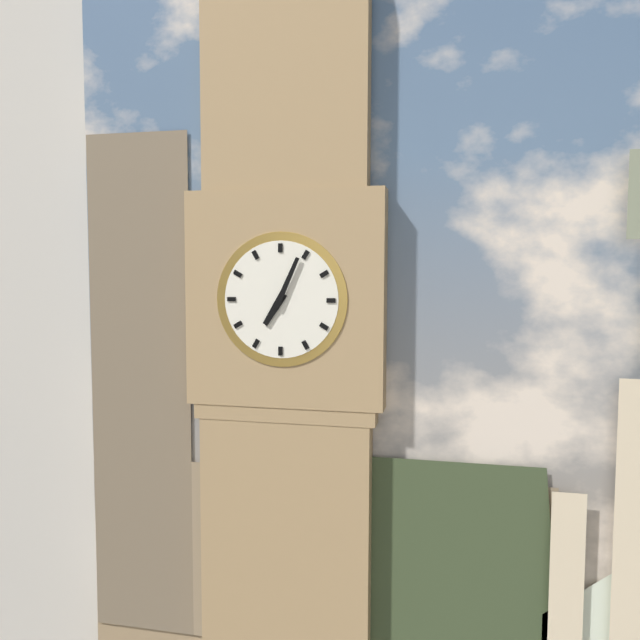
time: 7:04
